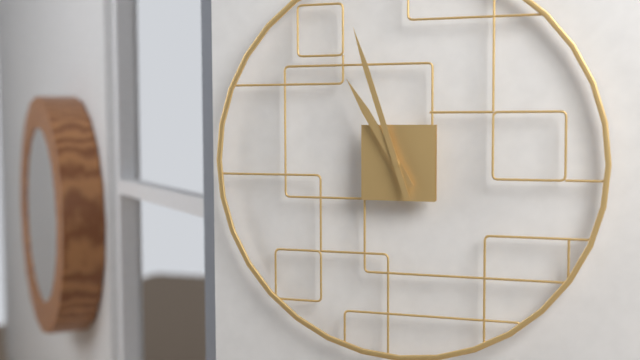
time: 10:57
